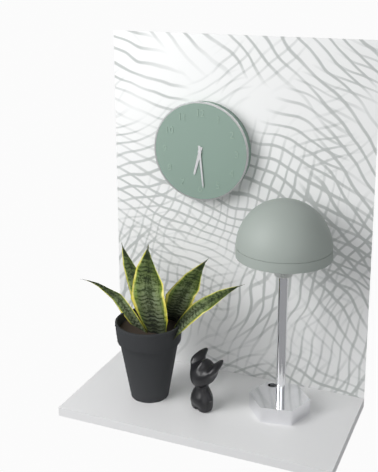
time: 6:29
